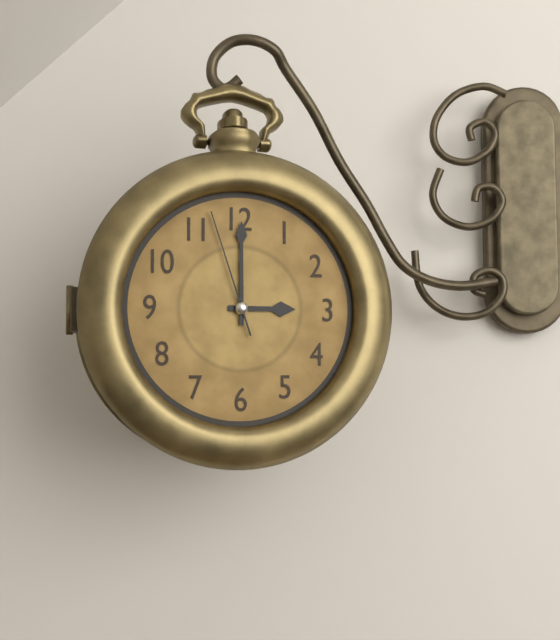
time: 3:00:57
